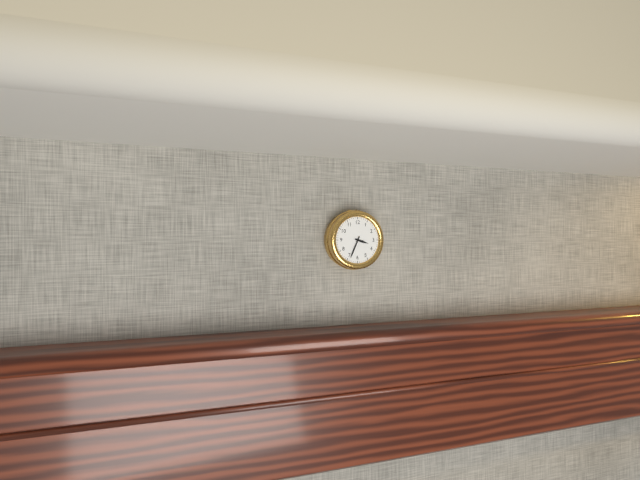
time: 3:34
